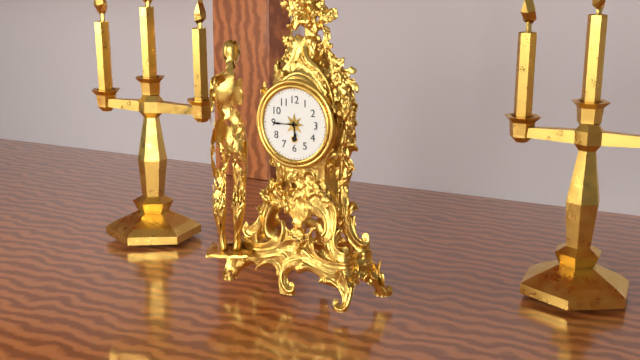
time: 5:45
